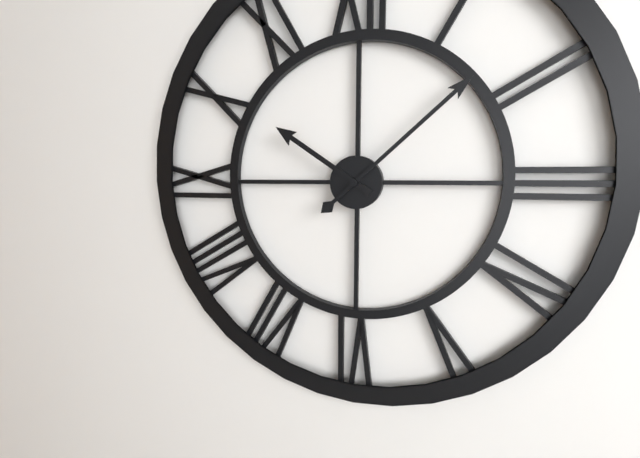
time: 10:08
